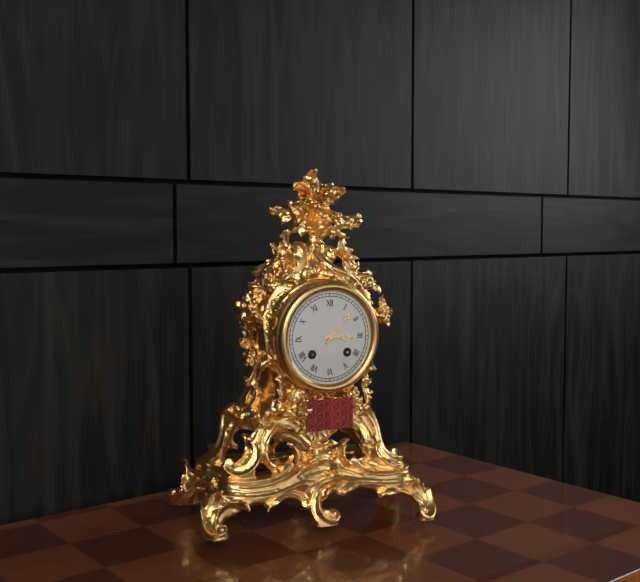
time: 3:07
